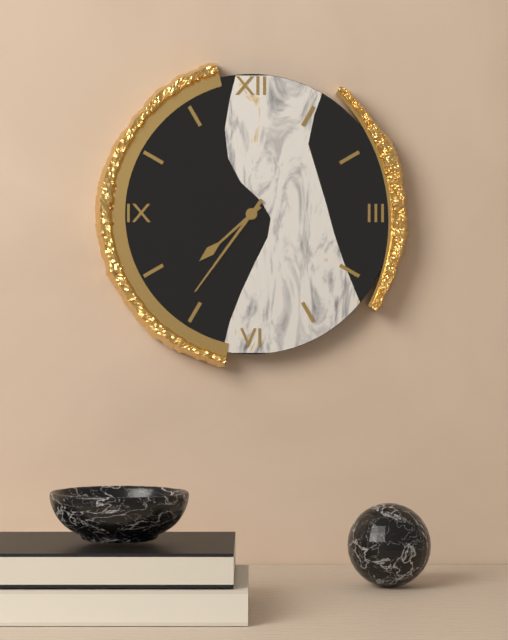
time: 7:36
